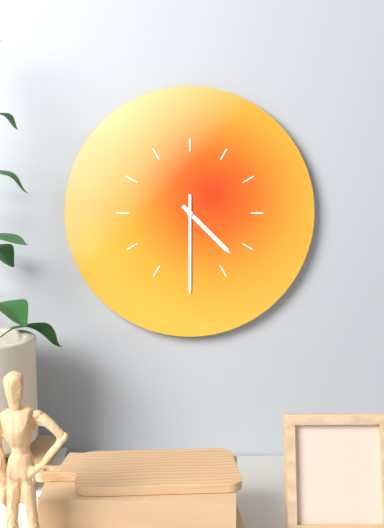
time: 4:30
